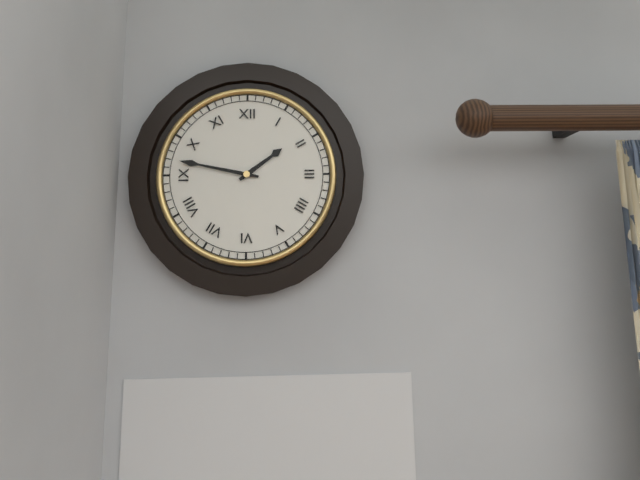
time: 1:47
